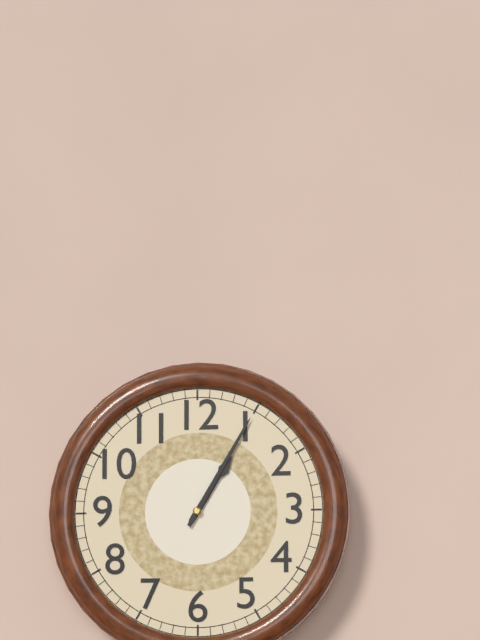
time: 1:05
